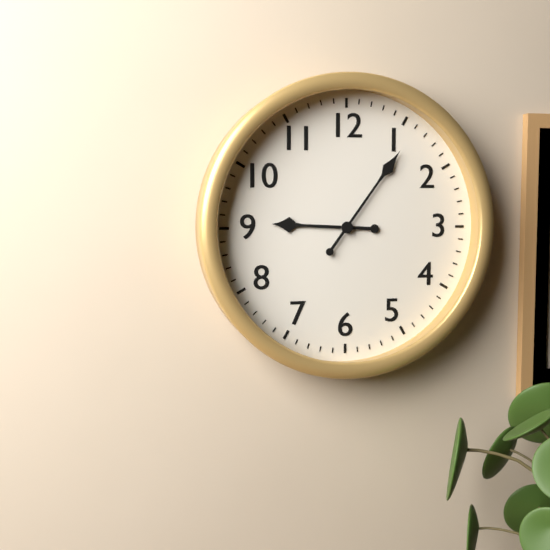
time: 9:06
